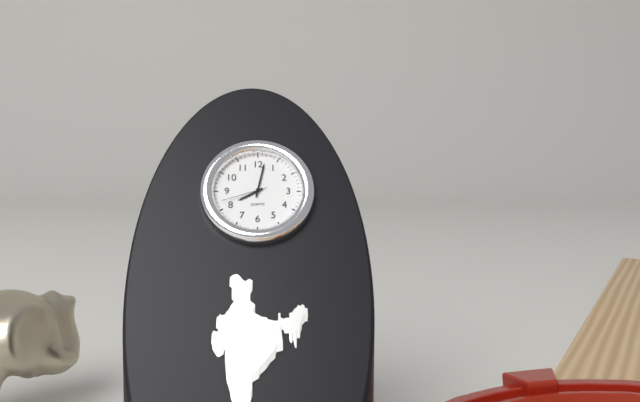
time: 8:02
